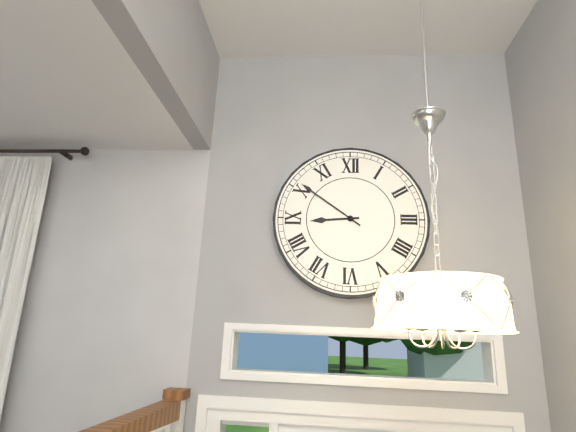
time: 8:51
